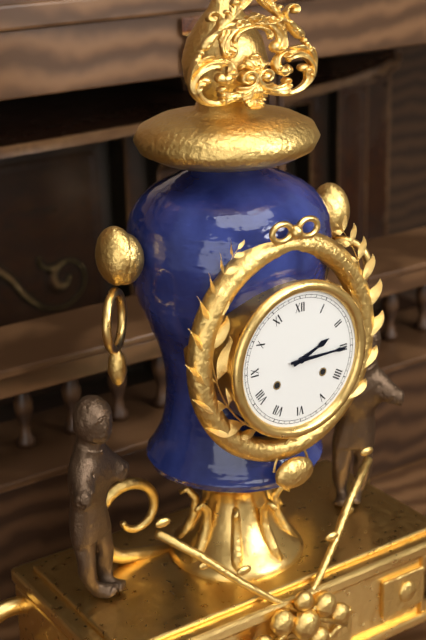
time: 2:15
